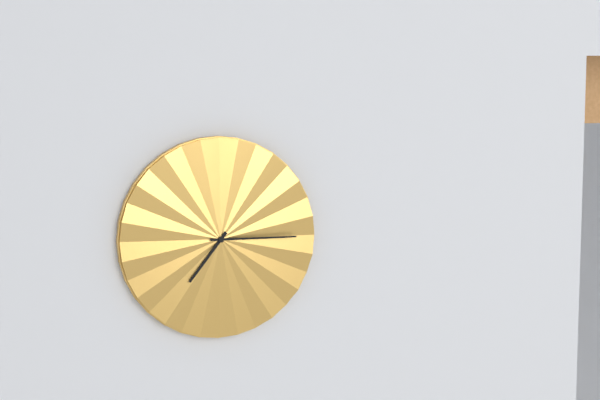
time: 7:15
